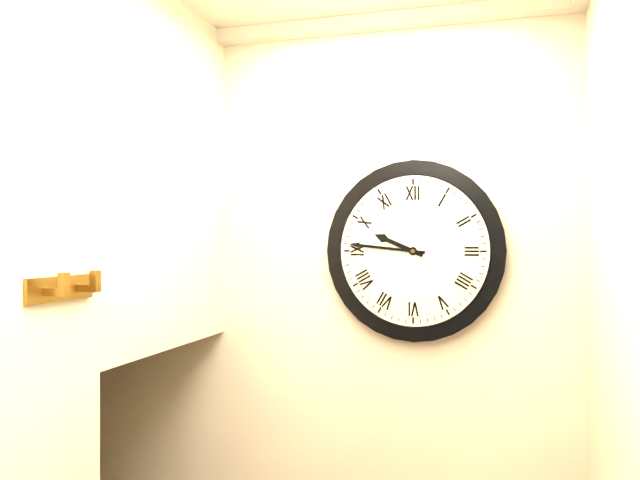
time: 9:46
